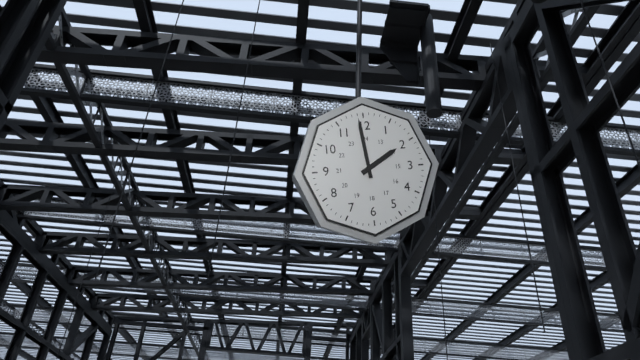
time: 1:59
